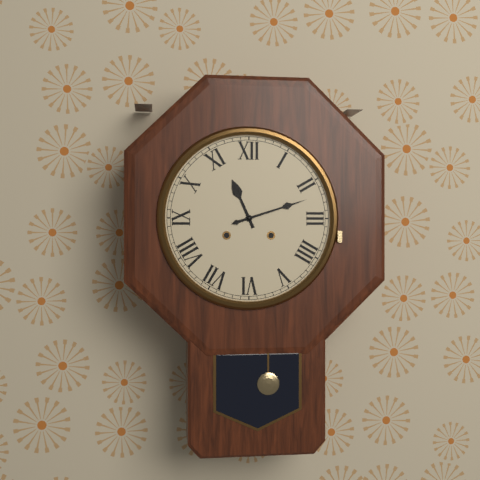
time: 11:12
